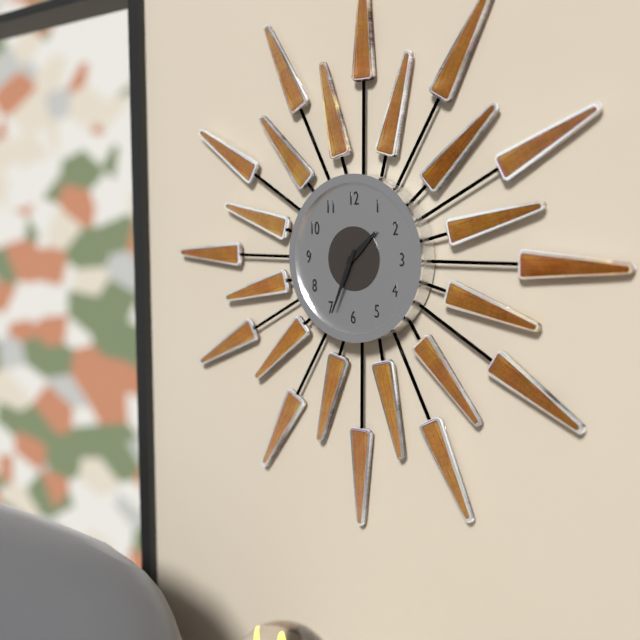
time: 1:34
